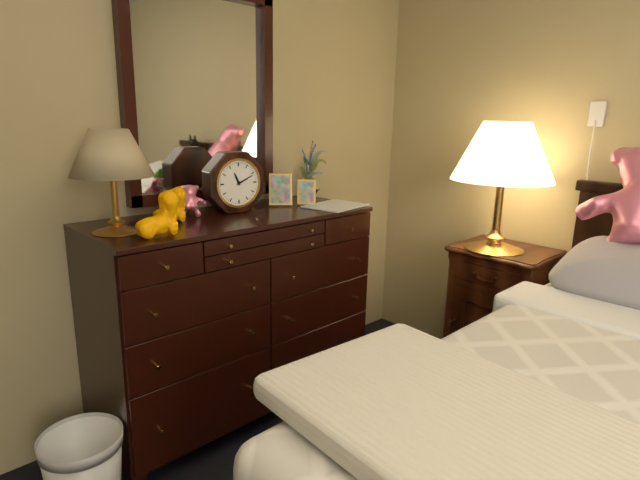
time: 11:11
